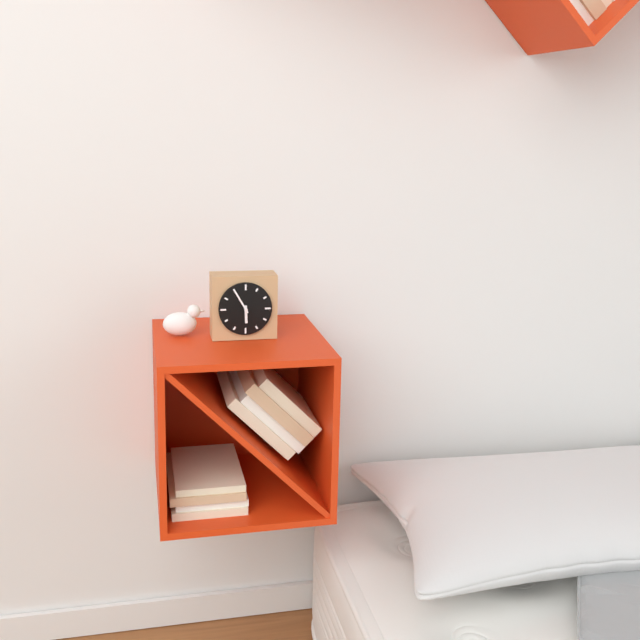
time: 5:55
